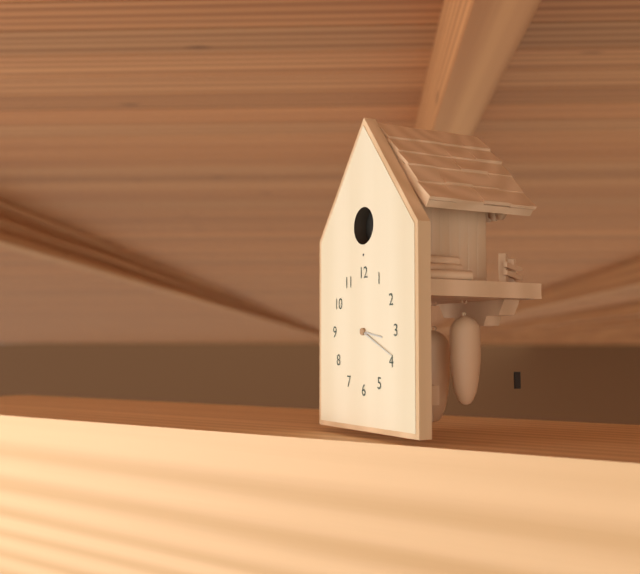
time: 3:19
